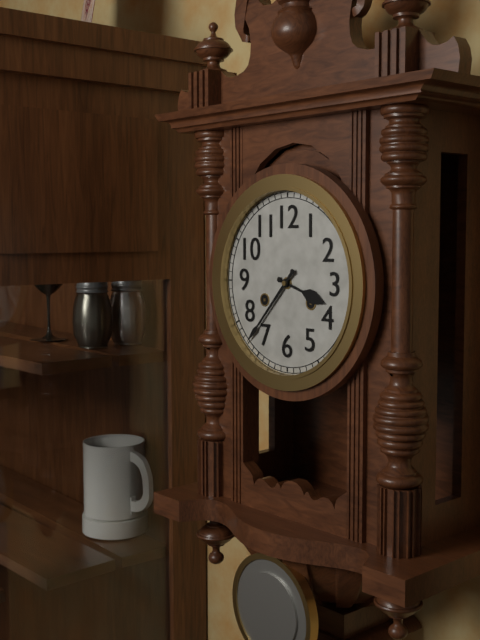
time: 3:37
